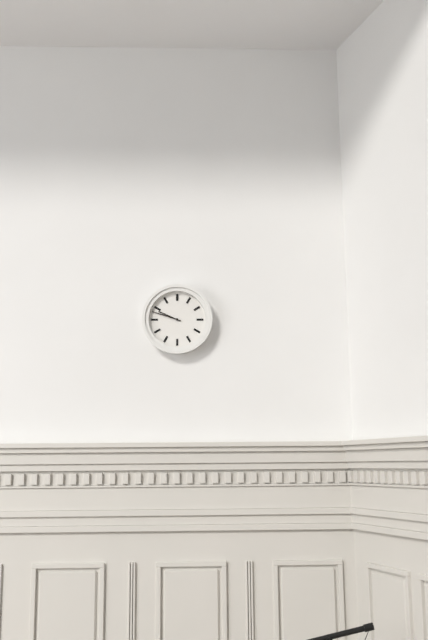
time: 9:48
